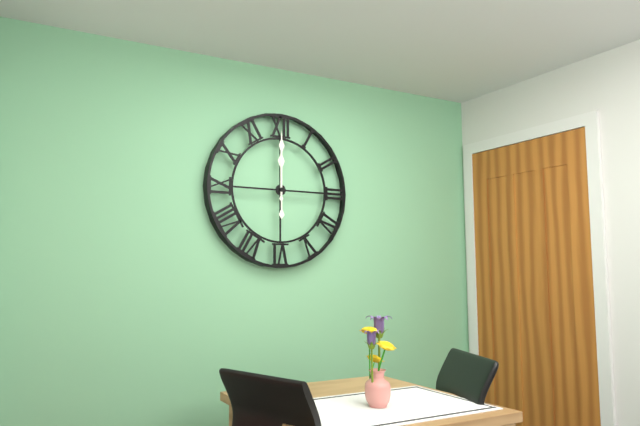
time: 12:00
